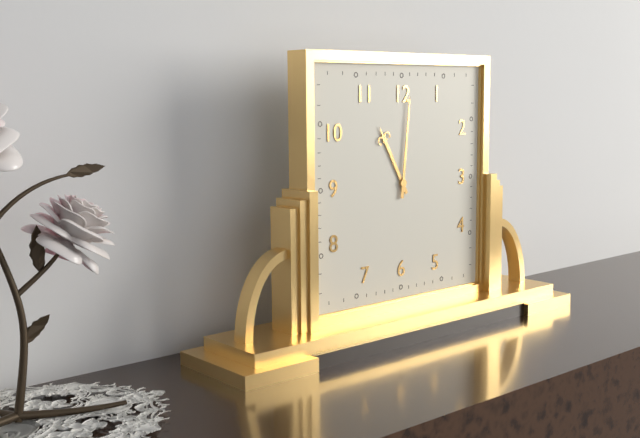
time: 11:01
